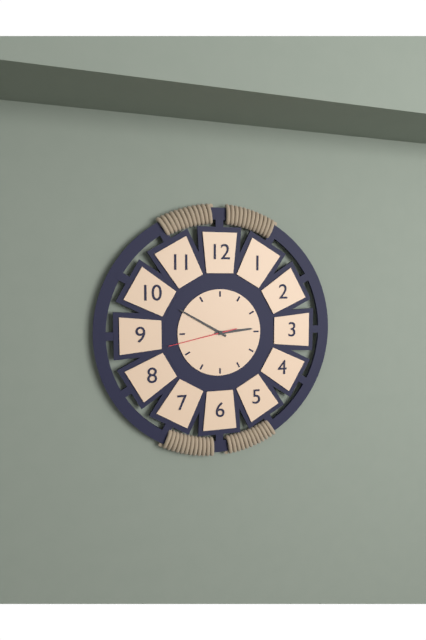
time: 2:50:43
